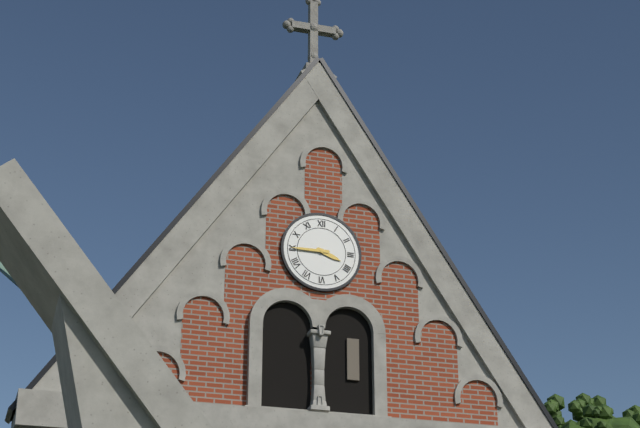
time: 3:45
